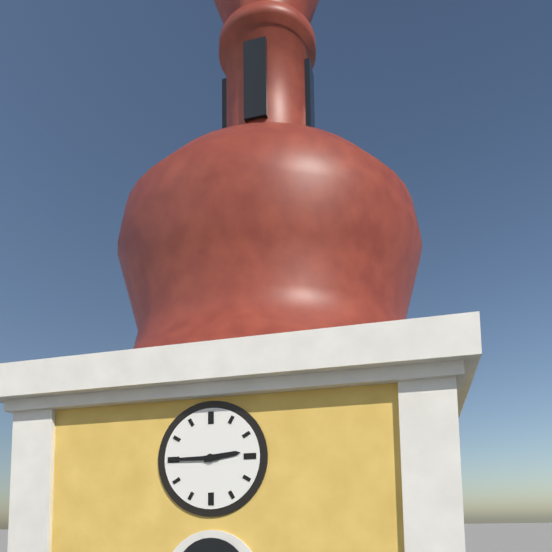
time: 2:45
